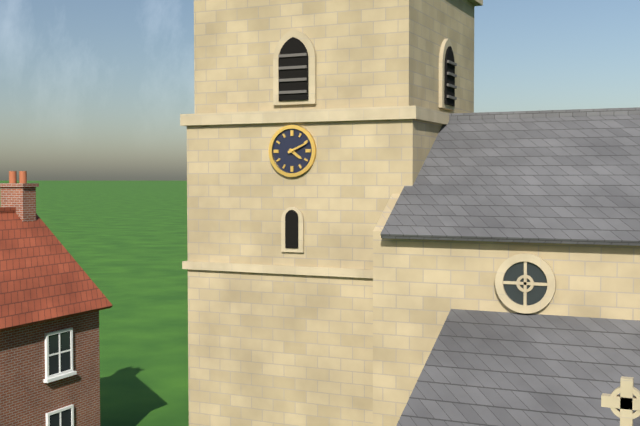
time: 4:11
